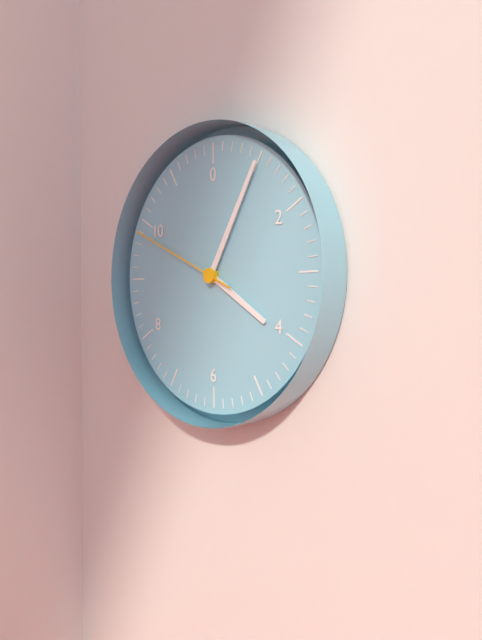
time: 4:05:49
